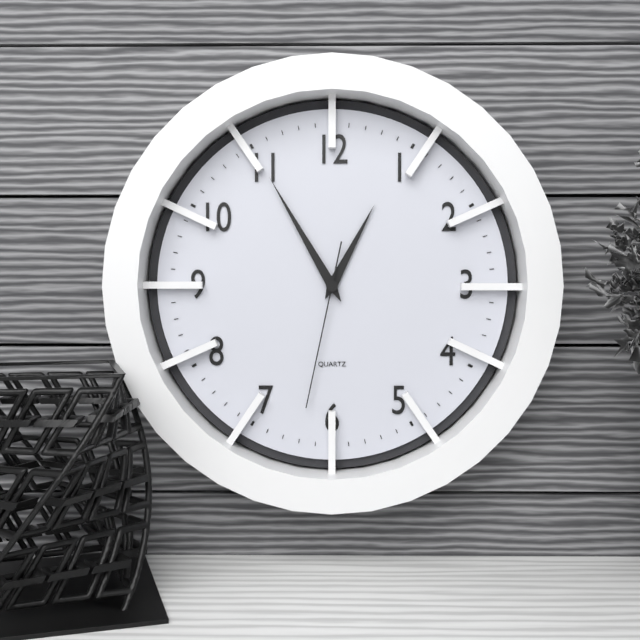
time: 12:55:32
